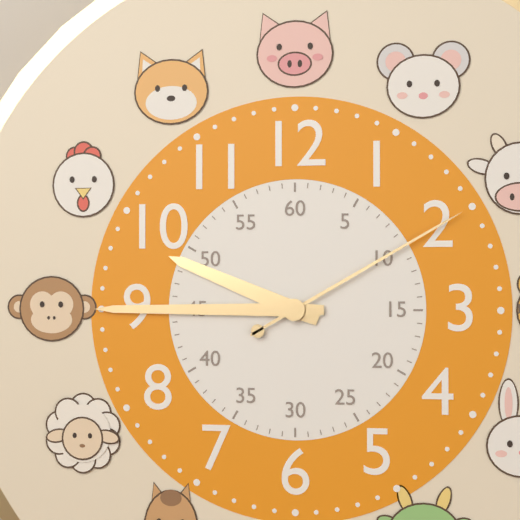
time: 9:45:10
